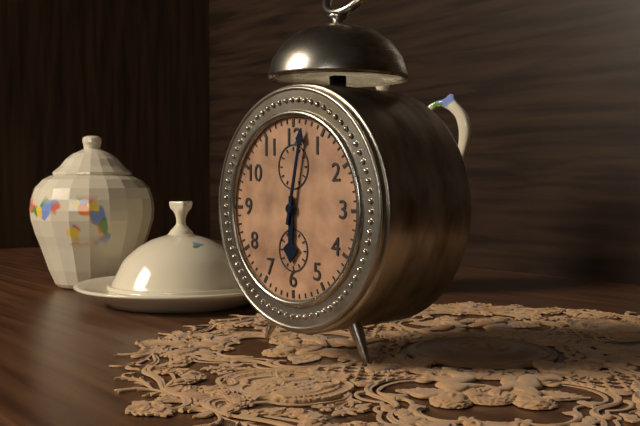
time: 6:02
